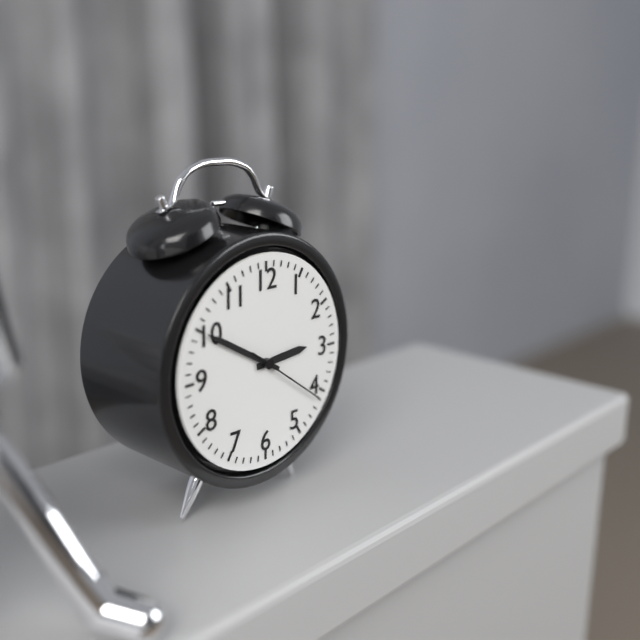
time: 2:50:21
